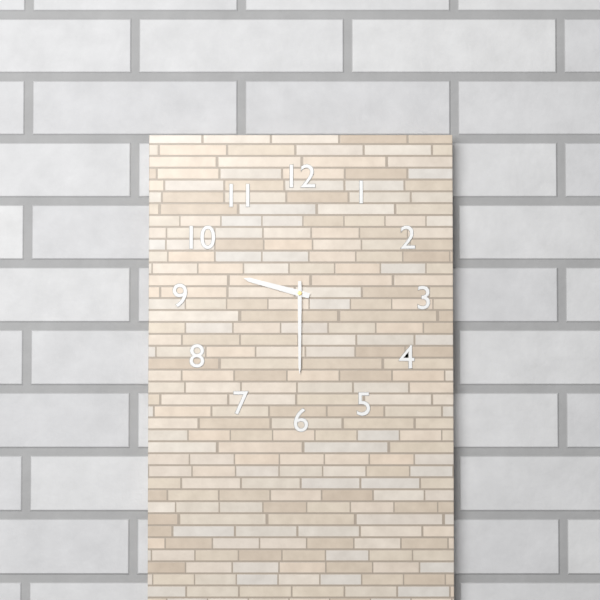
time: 9:30
